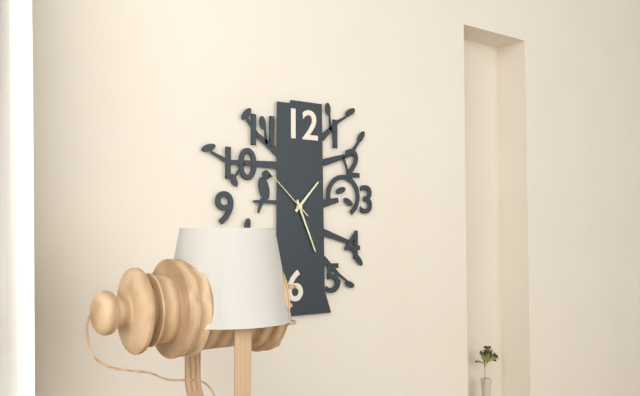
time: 1:26:52
